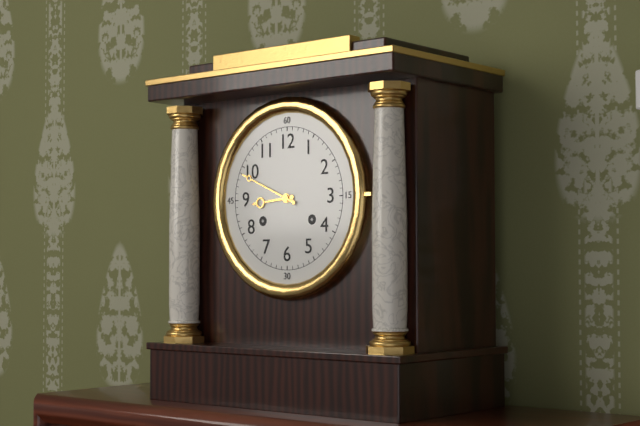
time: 8:49
